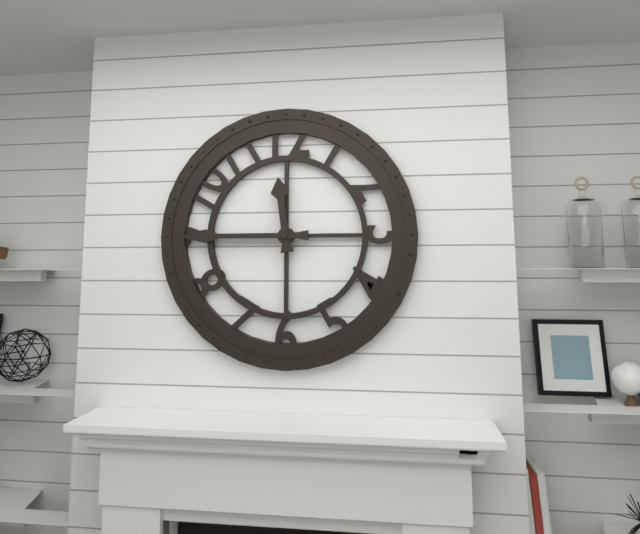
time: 11:45
